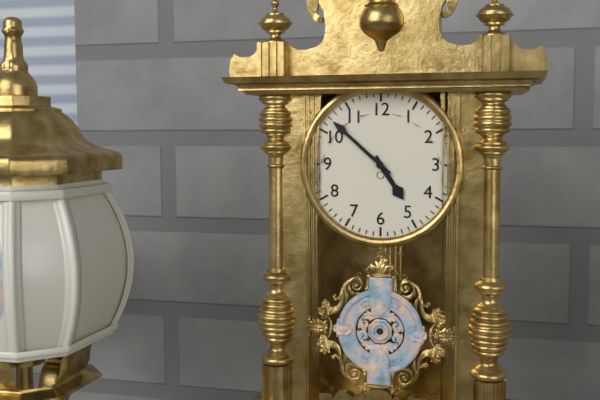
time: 4:52
